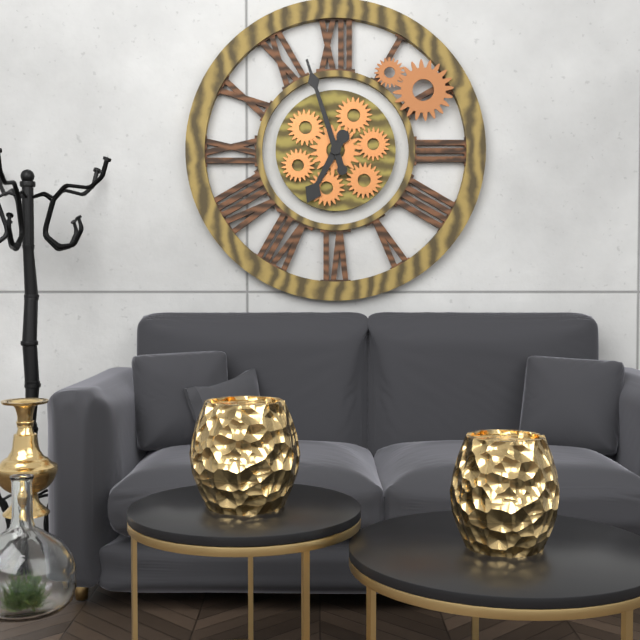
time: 6:57
